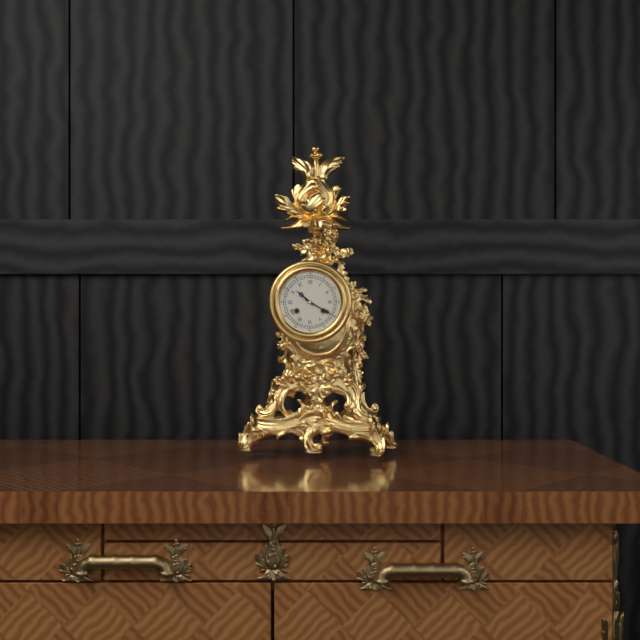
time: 10:20
